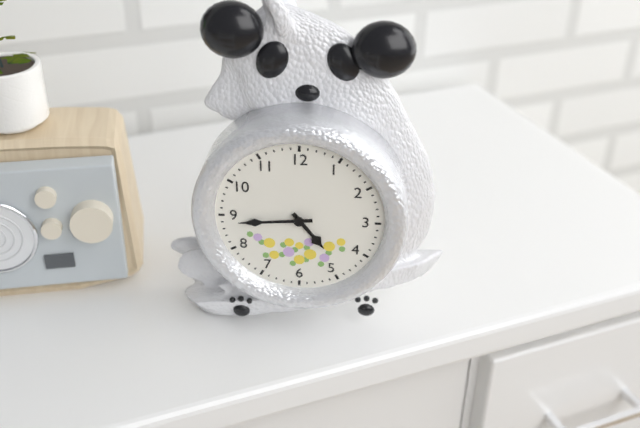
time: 4:44
